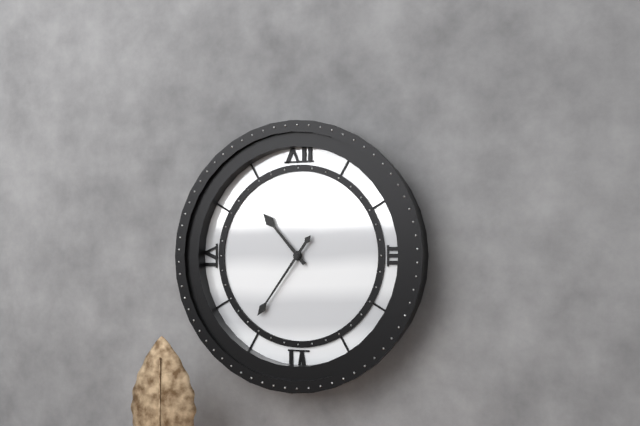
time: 10:36
